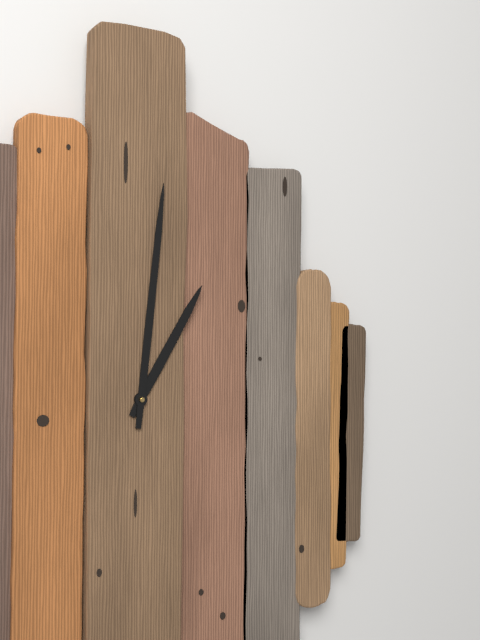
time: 1:01
